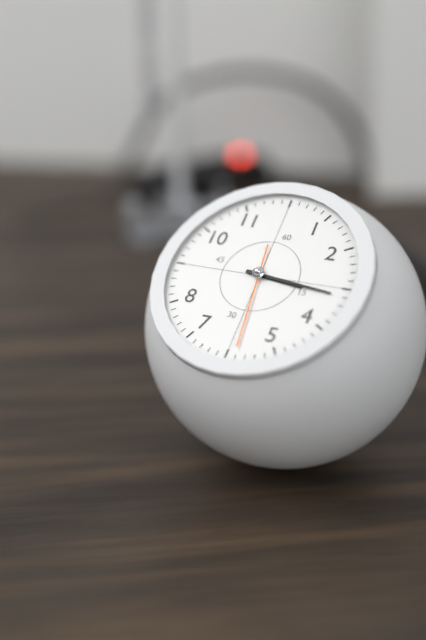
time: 3:16:29
